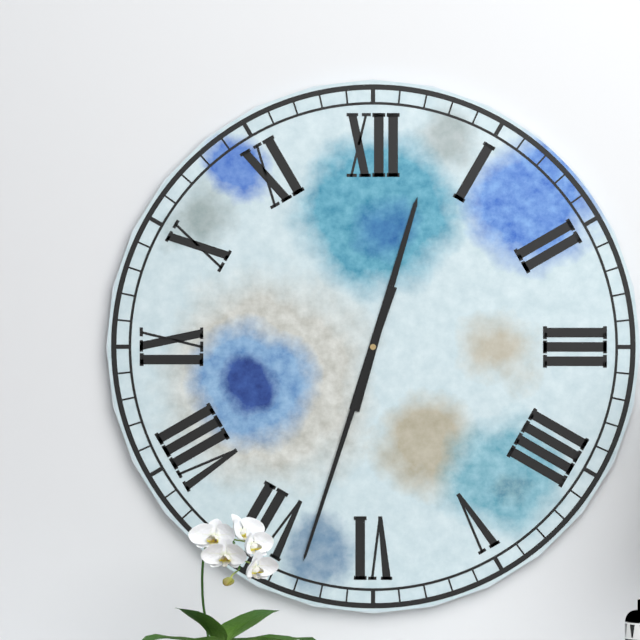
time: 12:33
